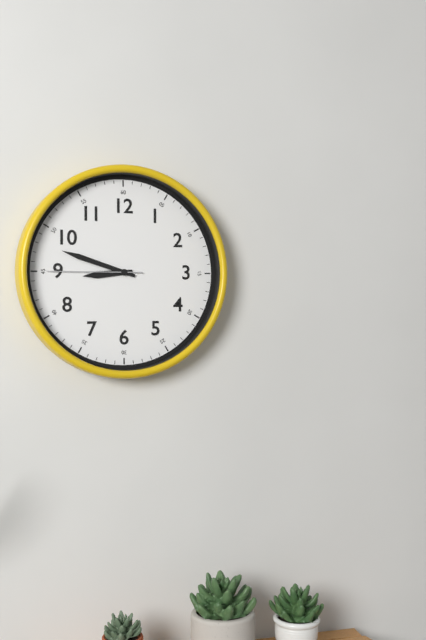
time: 8:48:45
